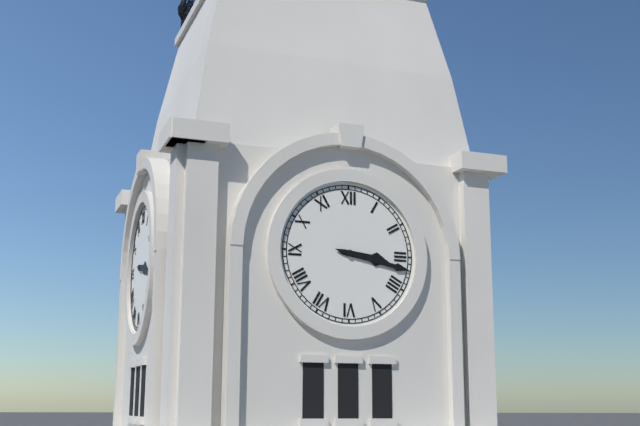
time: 3:17
